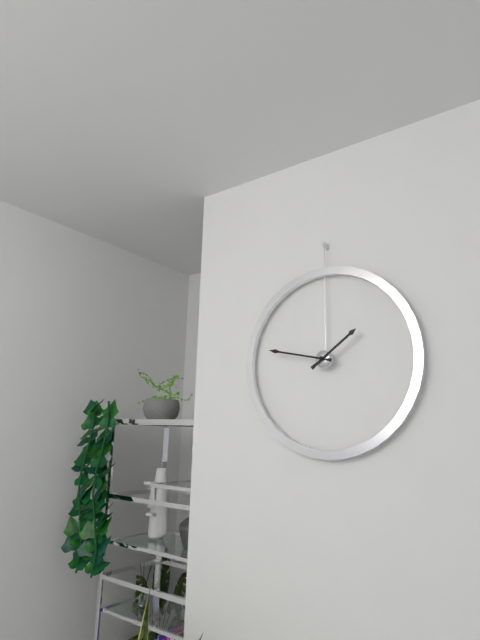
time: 1:47
